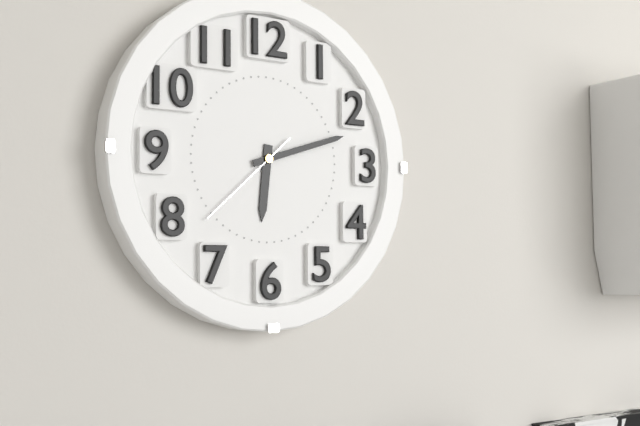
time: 6:12:38
